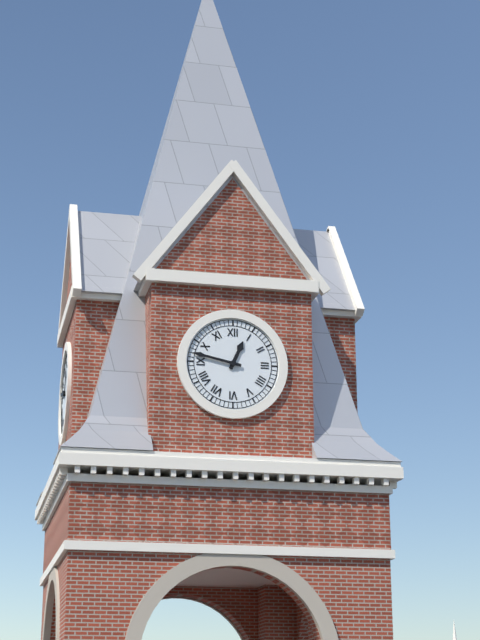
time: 12:47
